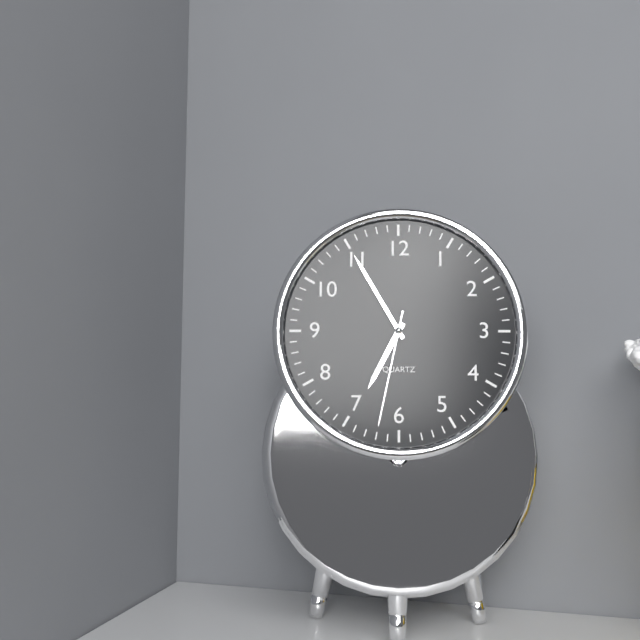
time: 6:55:32
